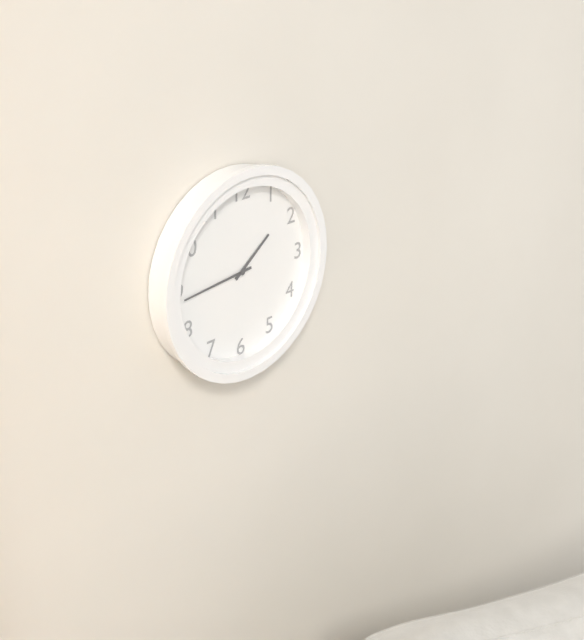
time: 1:44
